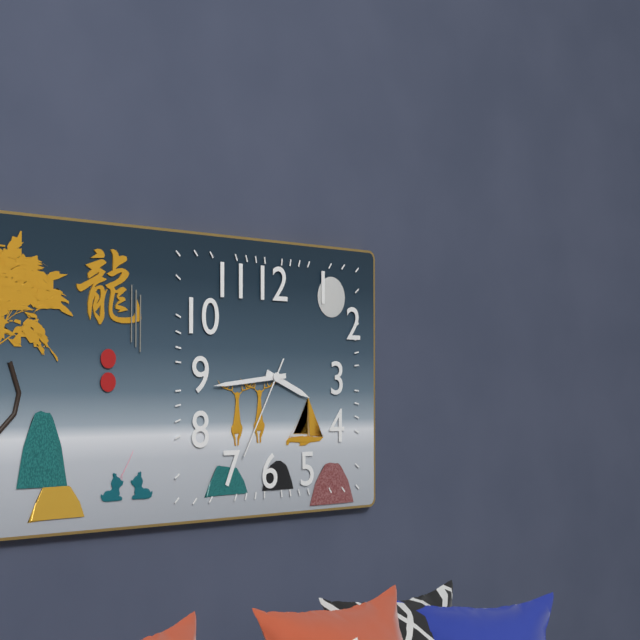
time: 3:44:35
